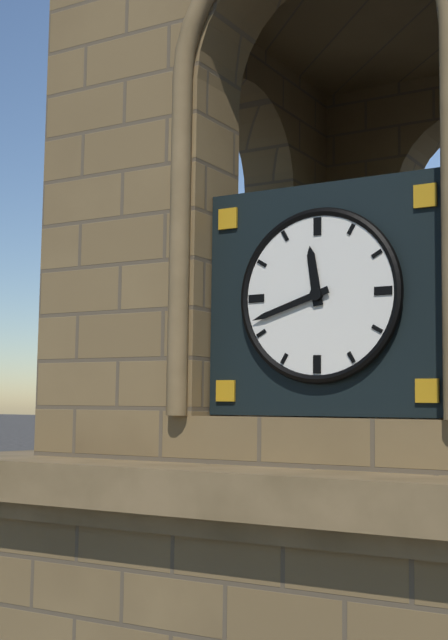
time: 11:42
